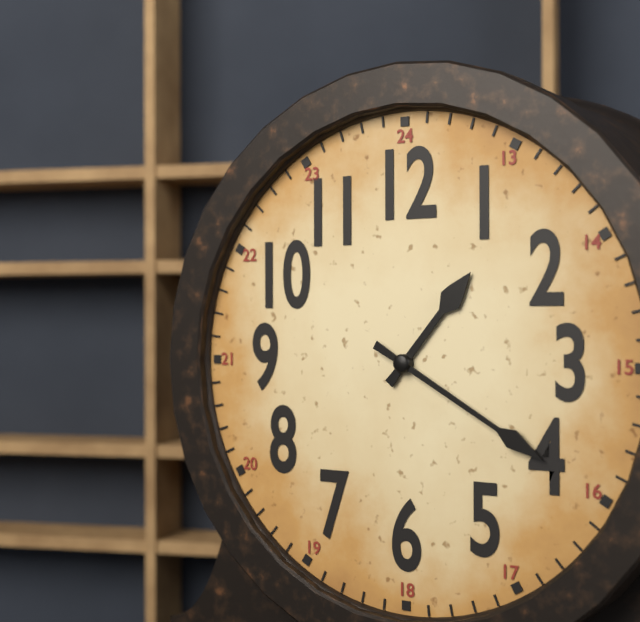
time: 1:20
